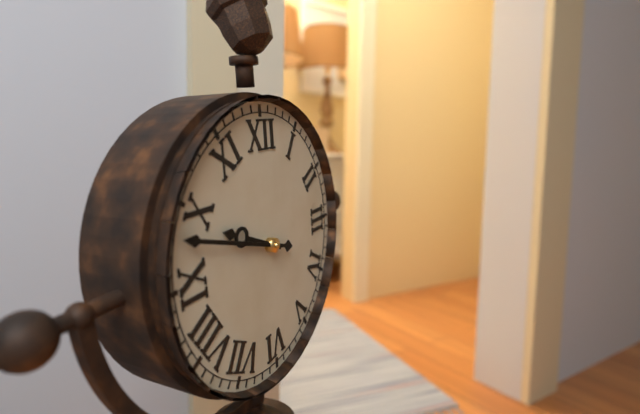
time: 9:48
